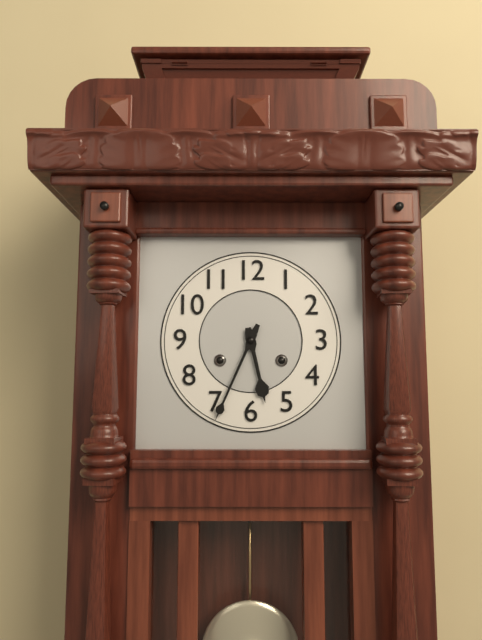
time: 5:34
